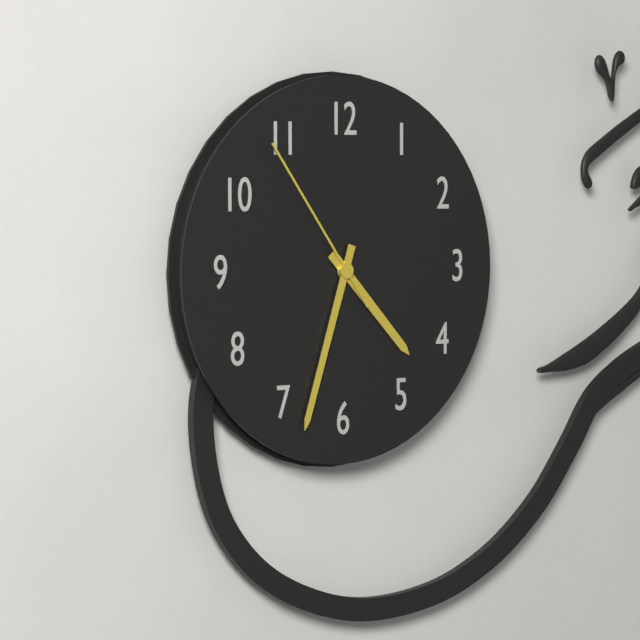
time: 4:33:54
